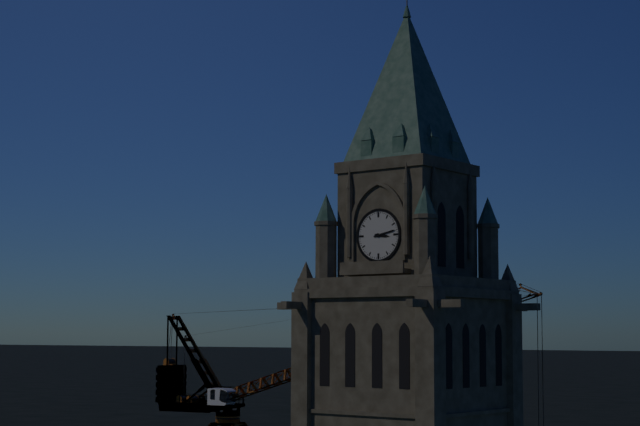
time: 3:13
